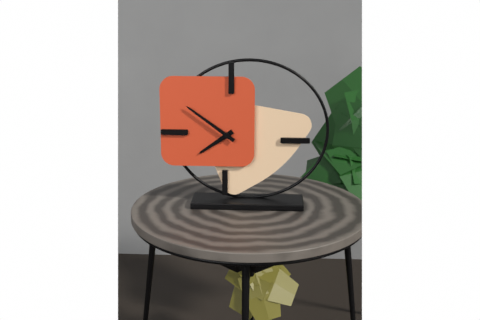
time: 7:51
